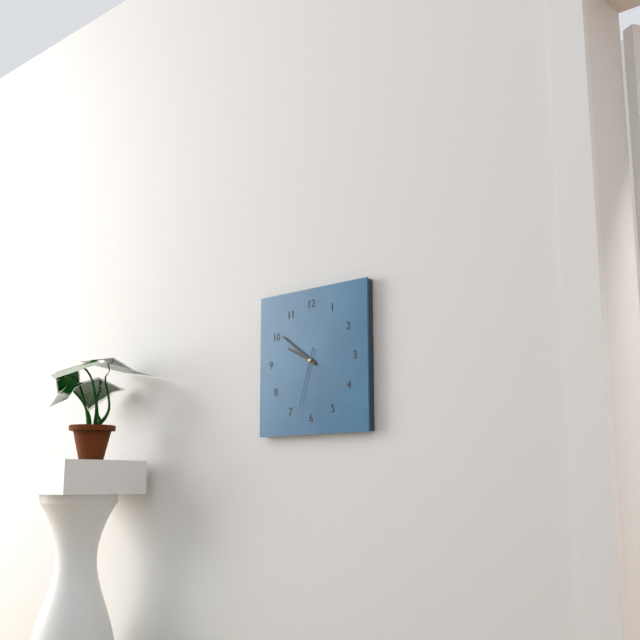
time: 9:51:33
